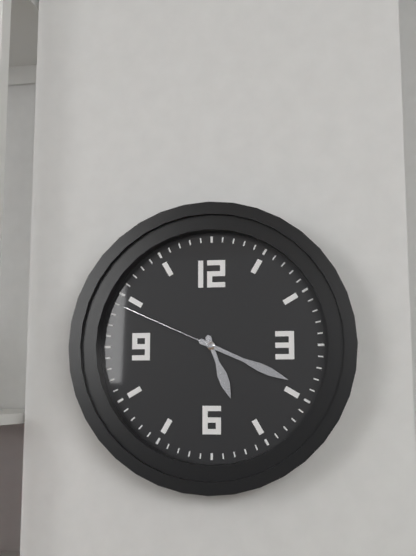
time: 5:19:49
